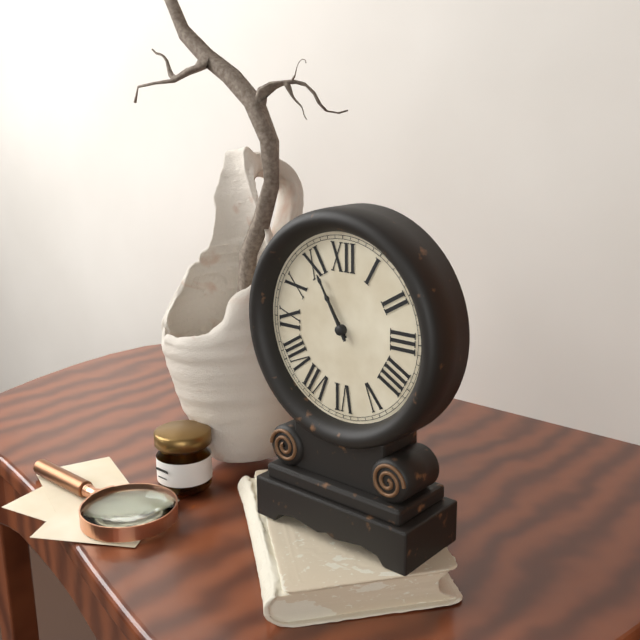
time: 10:55
